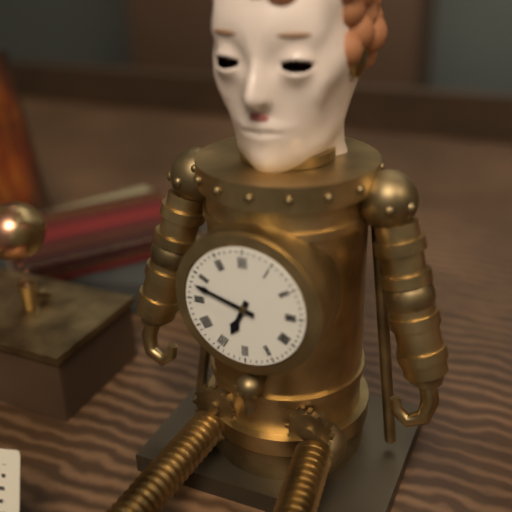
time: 6:48
